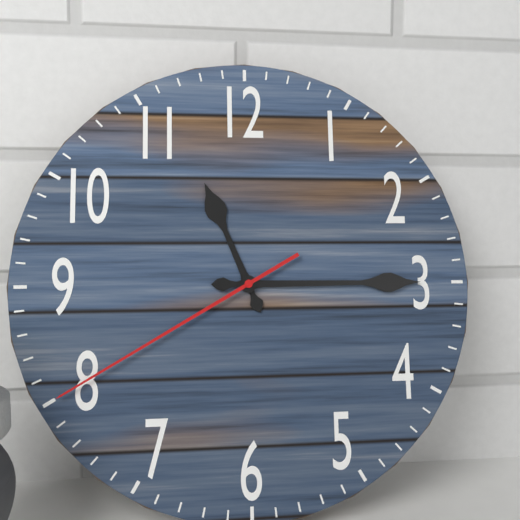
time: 11:15:40
